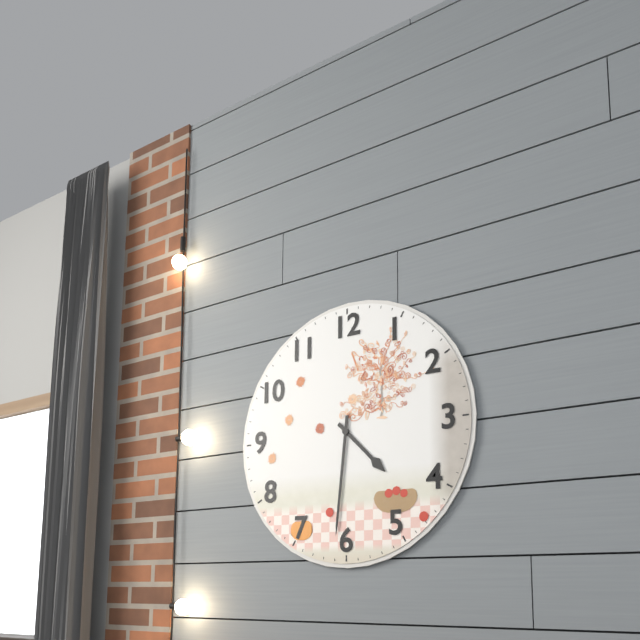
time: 4:31
